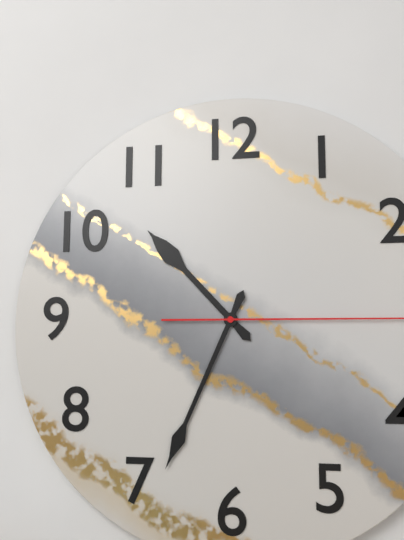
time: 10:34
